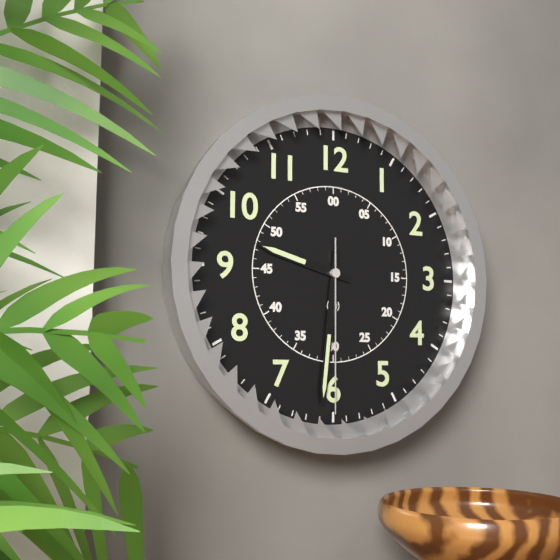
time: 9:31:30
